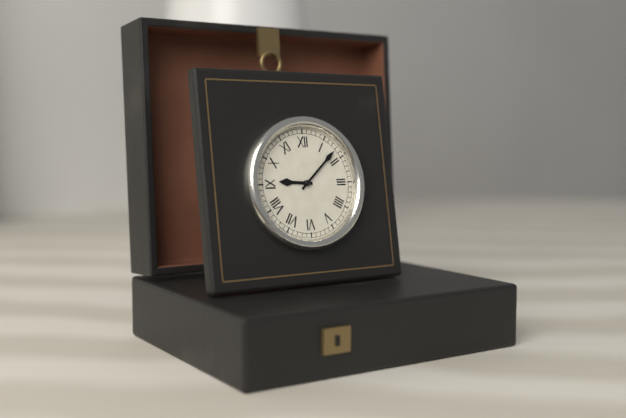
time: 9:08
